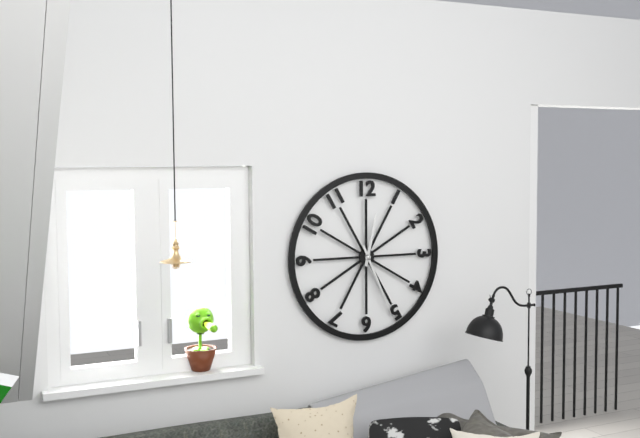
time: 12:26
